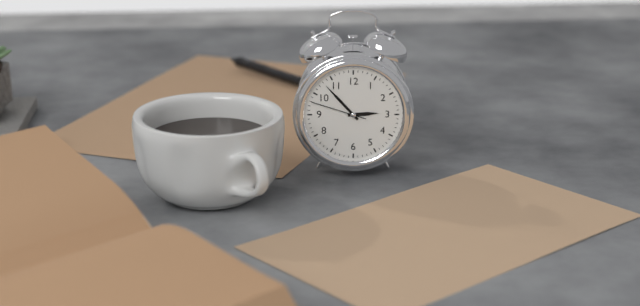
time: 2:53:48
